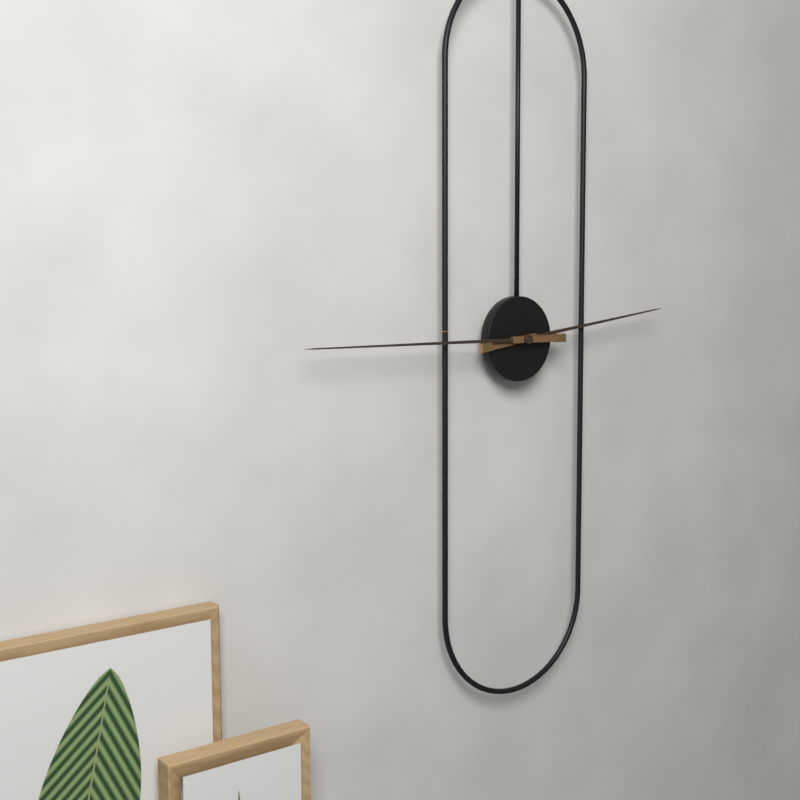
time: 2:45
